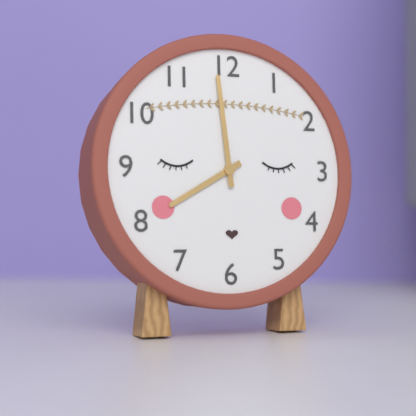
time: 7:59
